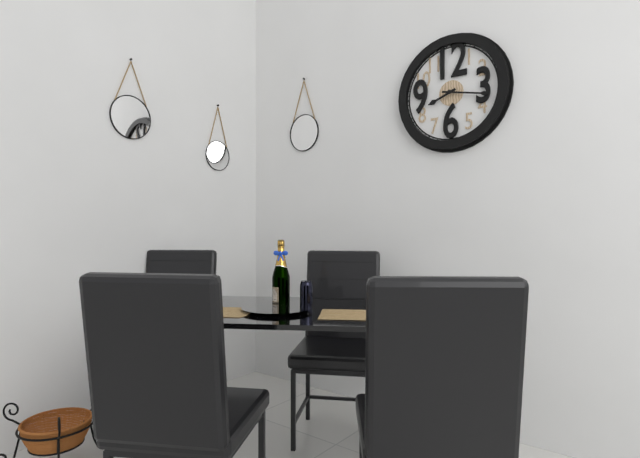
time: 8:17
